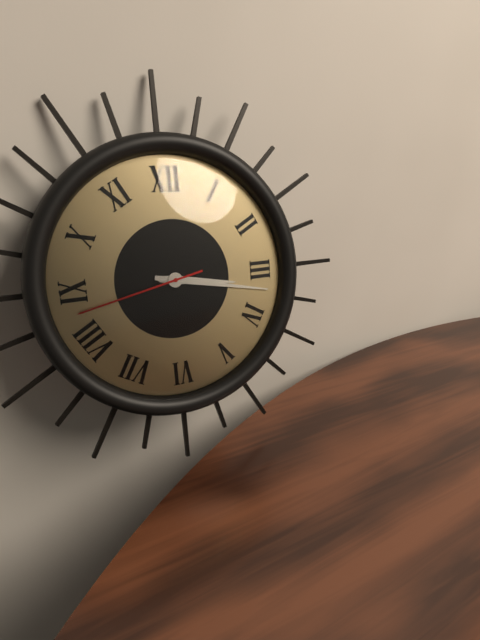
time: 3:17:43
